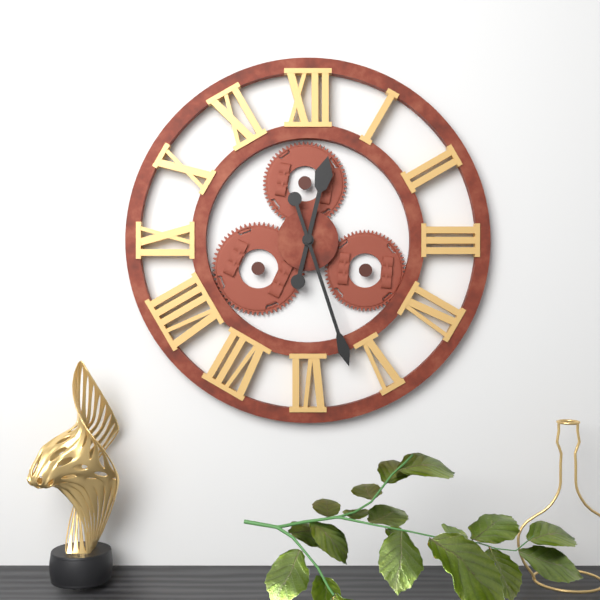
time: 12:27
